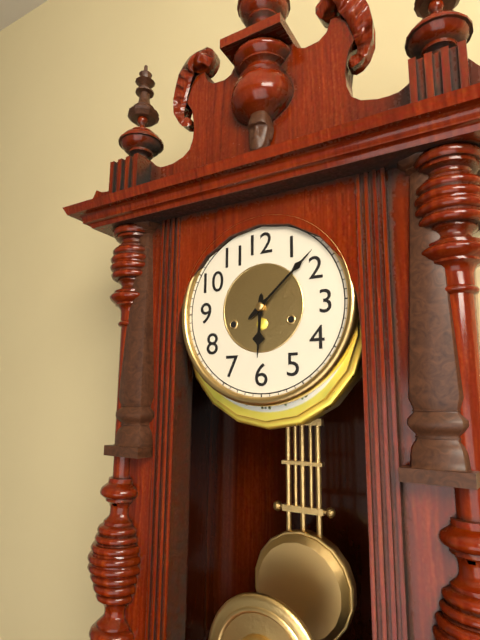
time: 6:08
